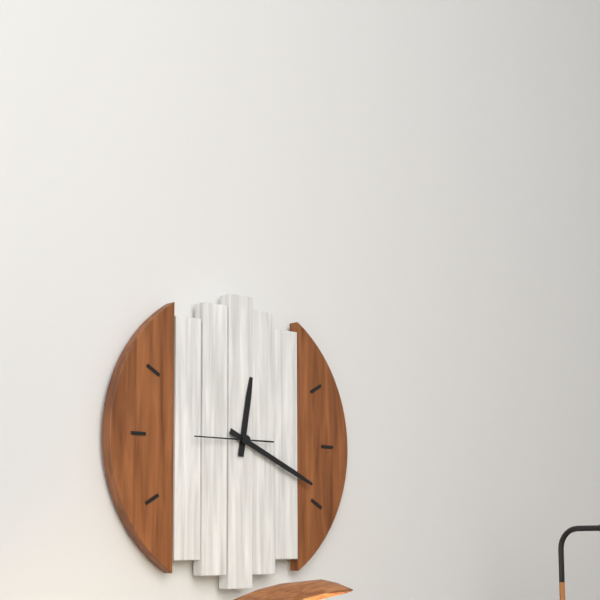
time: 12:19:45
